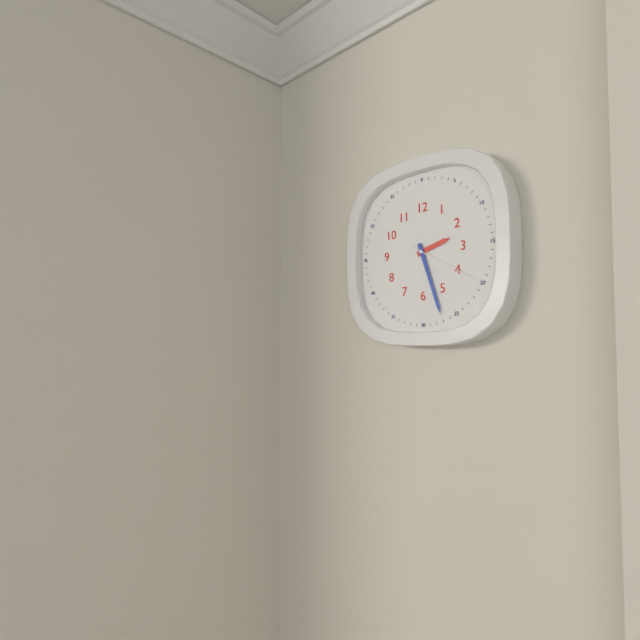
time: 2:27:20
